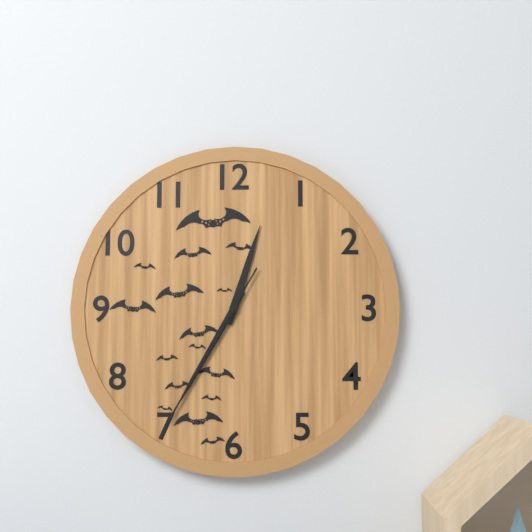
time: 12:35:35
